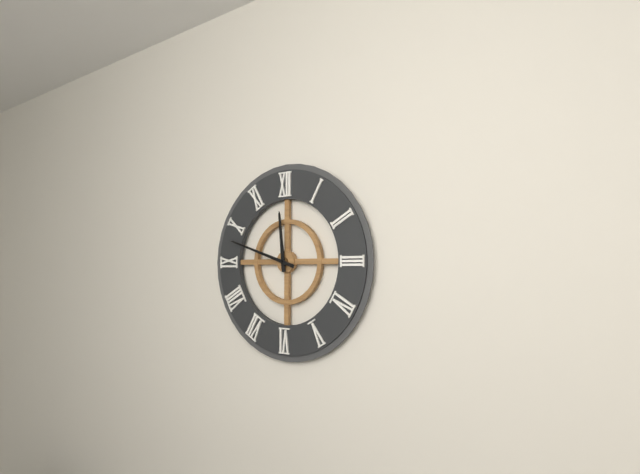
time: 11:48
